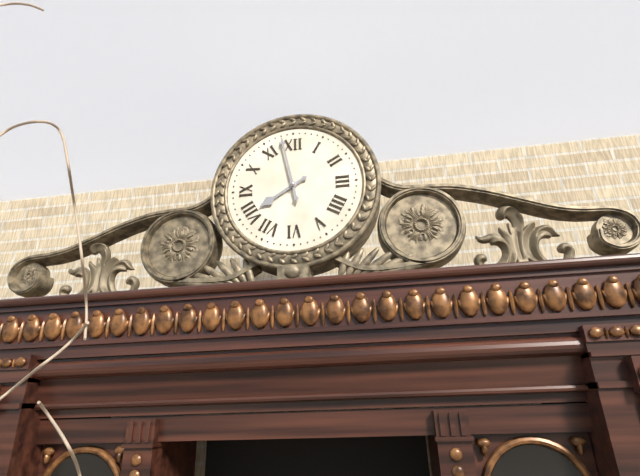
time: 7:58
